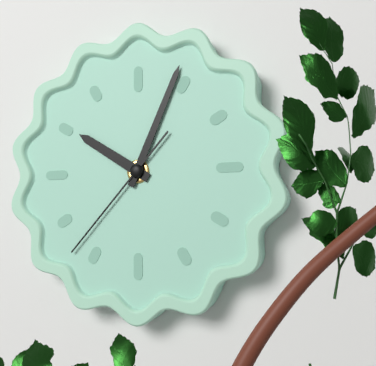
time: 10:04:37
